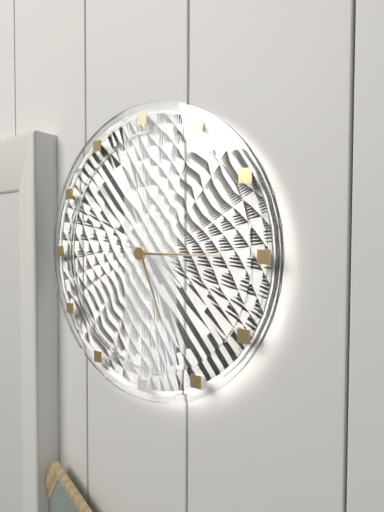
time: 5:15
